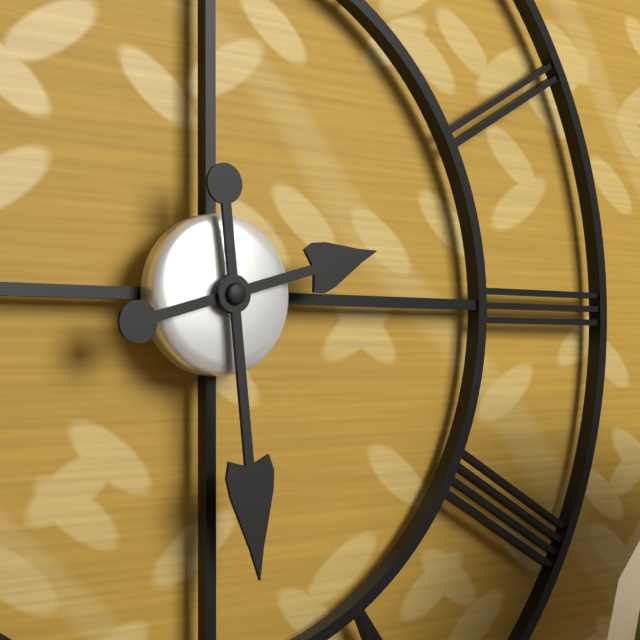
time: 2:29
